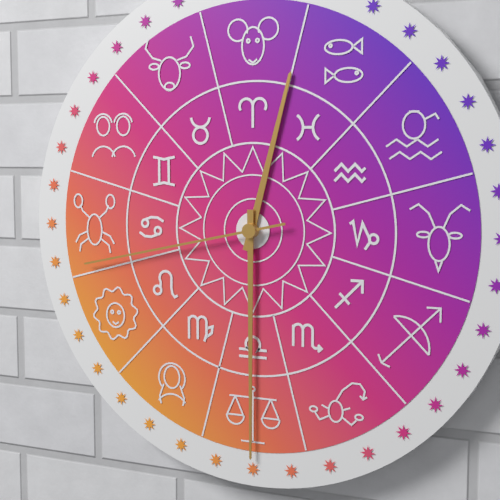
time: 12:30:43
